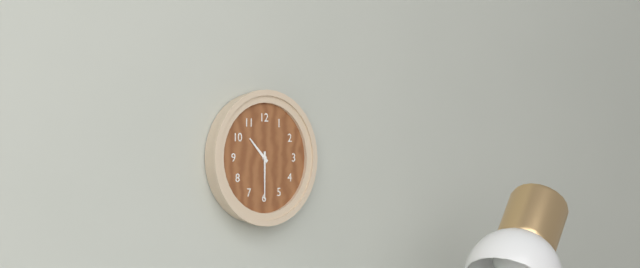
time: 10:30
